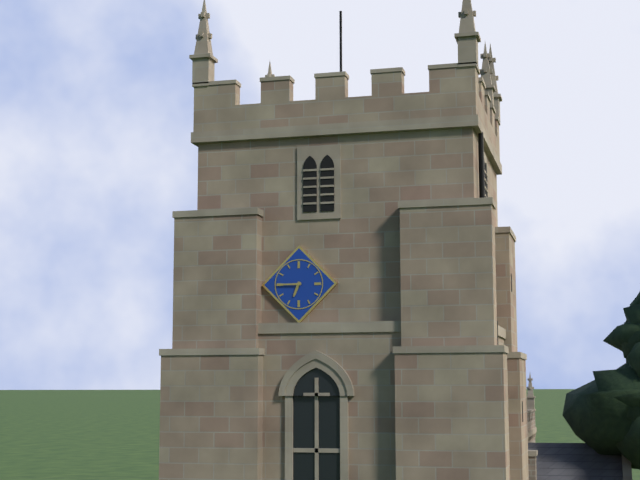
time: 6:45
